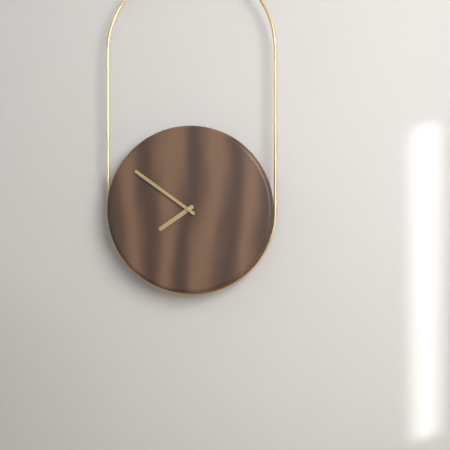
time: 7:51
